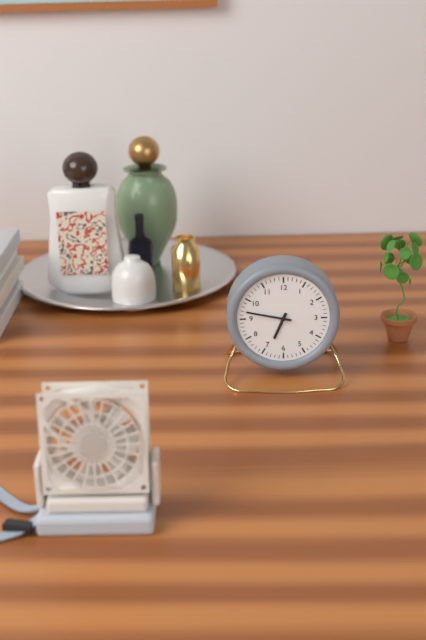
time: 6:47
